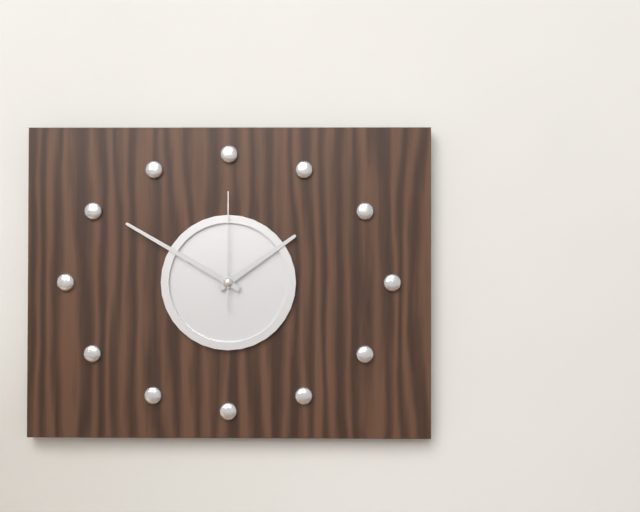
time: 1:50:00
